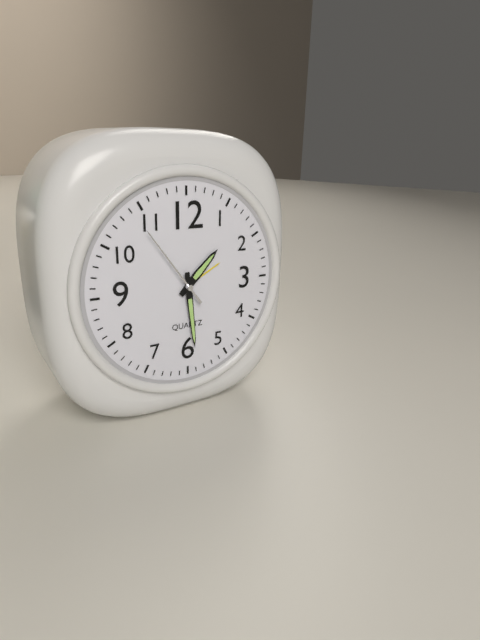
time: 1:29:54
